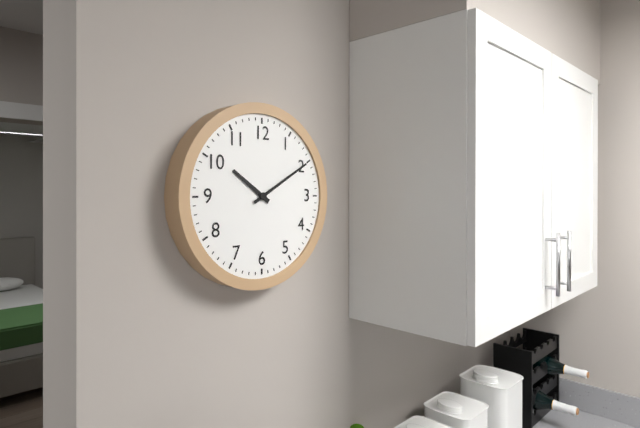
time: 10:10
